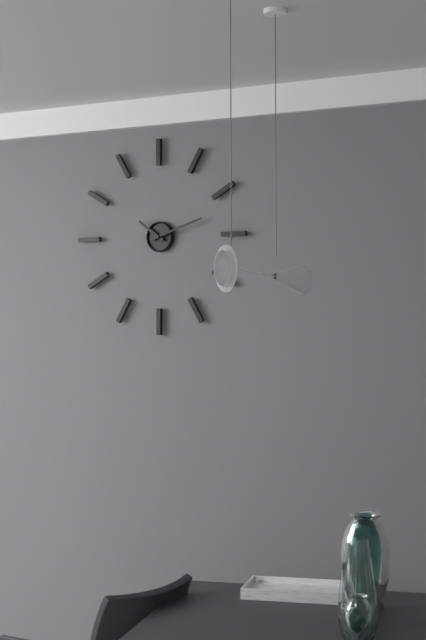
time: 10:12
